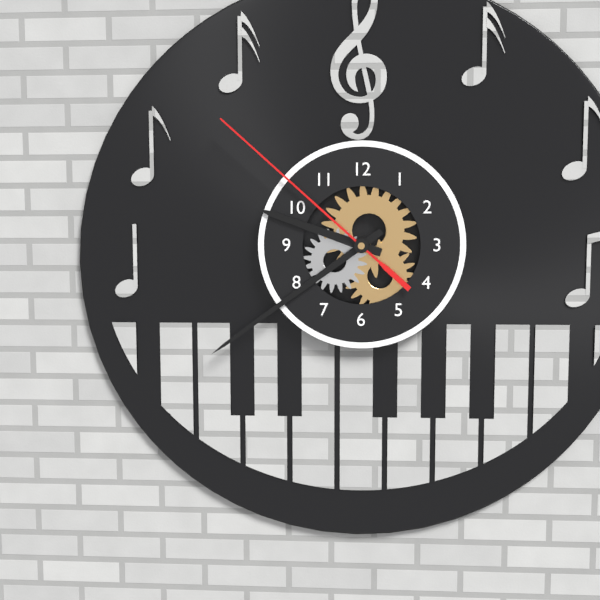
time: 9:39:52
